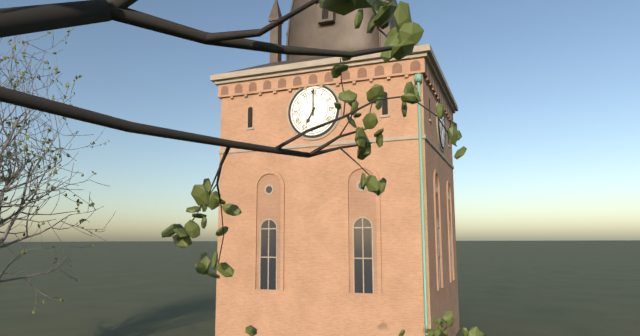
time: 7:00
